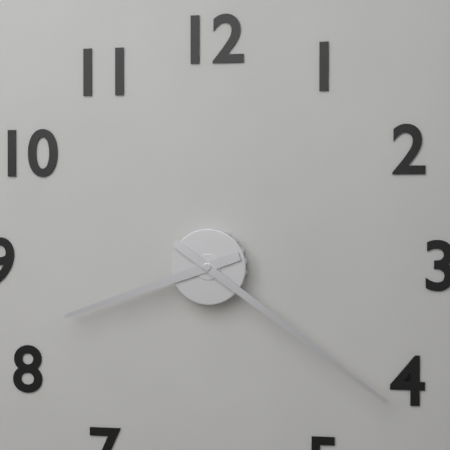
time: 8:21
